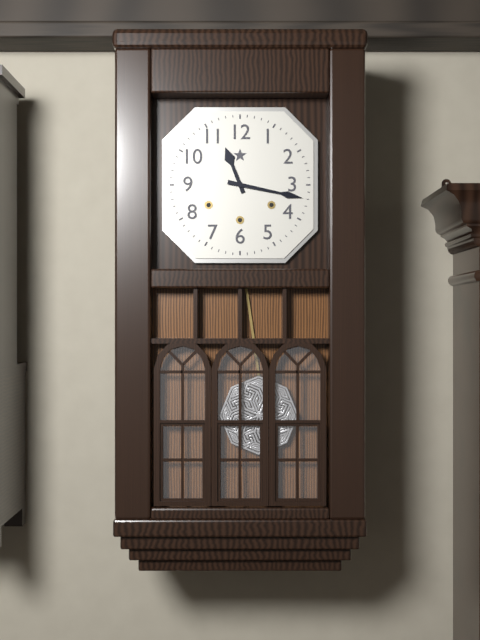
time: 11:17
